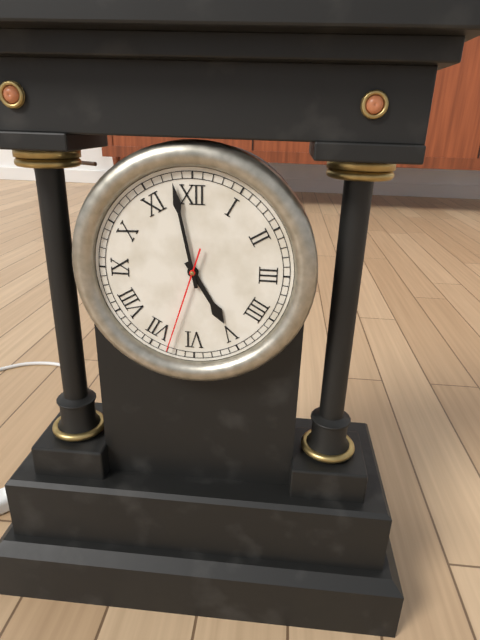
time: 4:58:33
